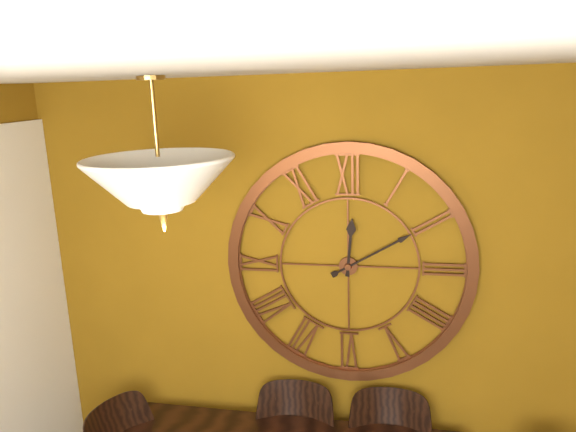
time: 12:10
